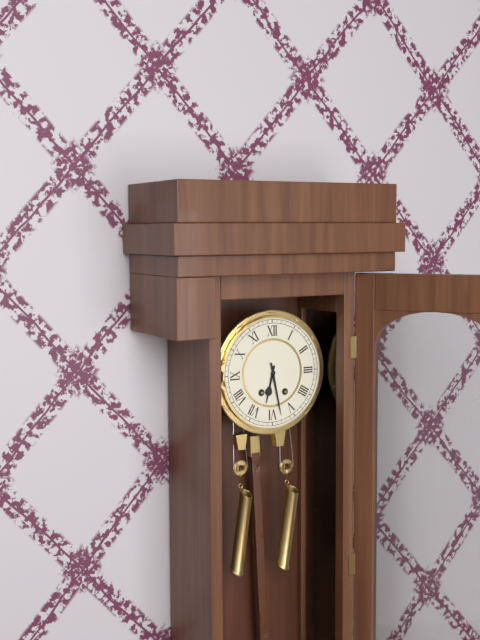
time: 6:28
